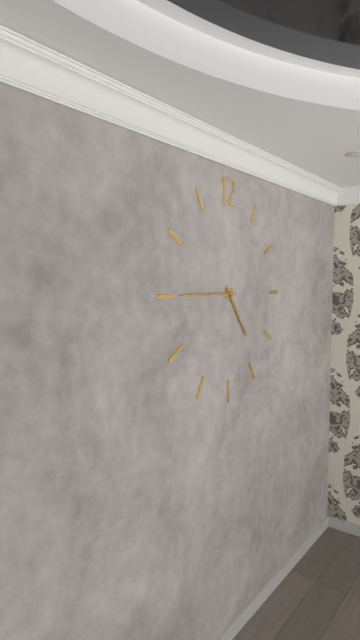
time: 4:45
